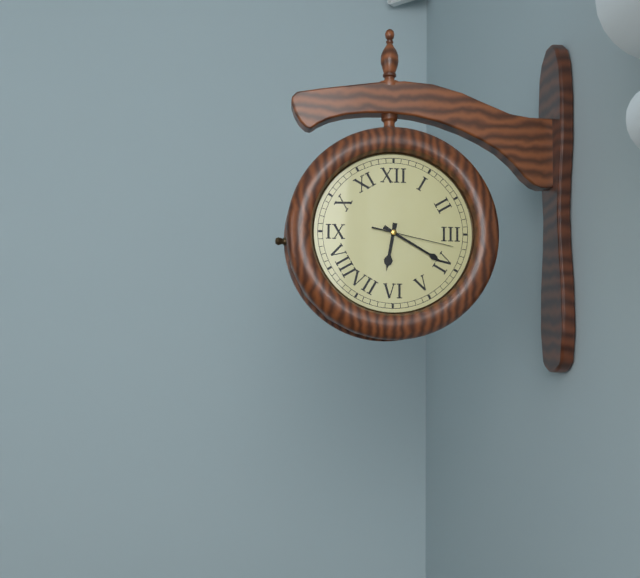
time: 6:20:17
